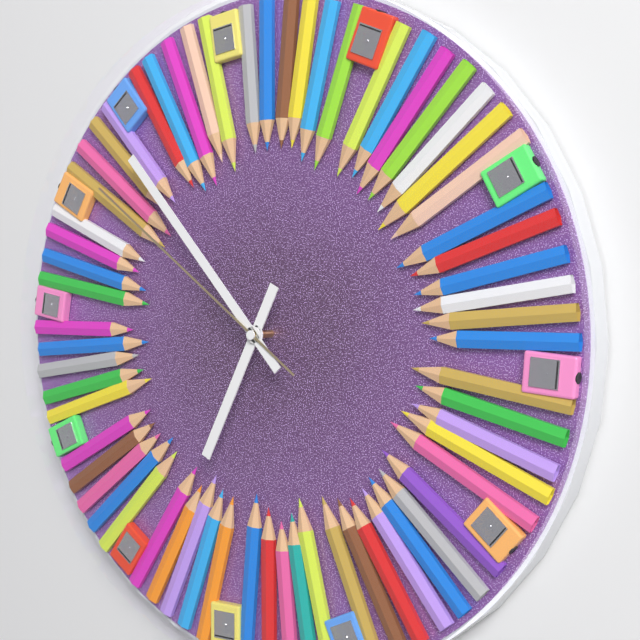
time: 6:53:51
